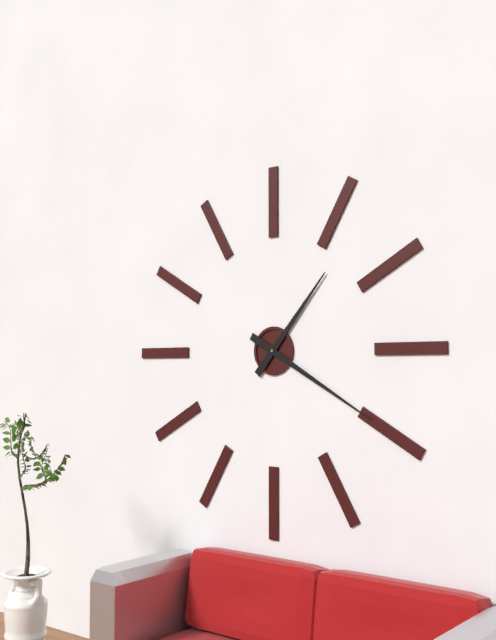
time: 1:20
